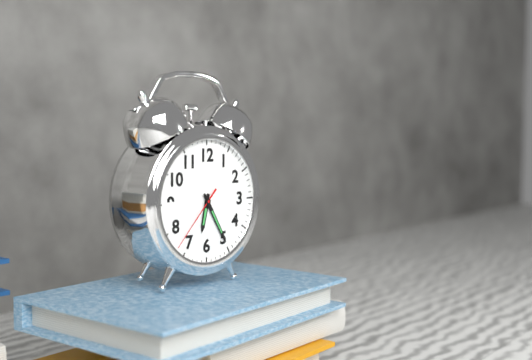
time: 6:25:37
